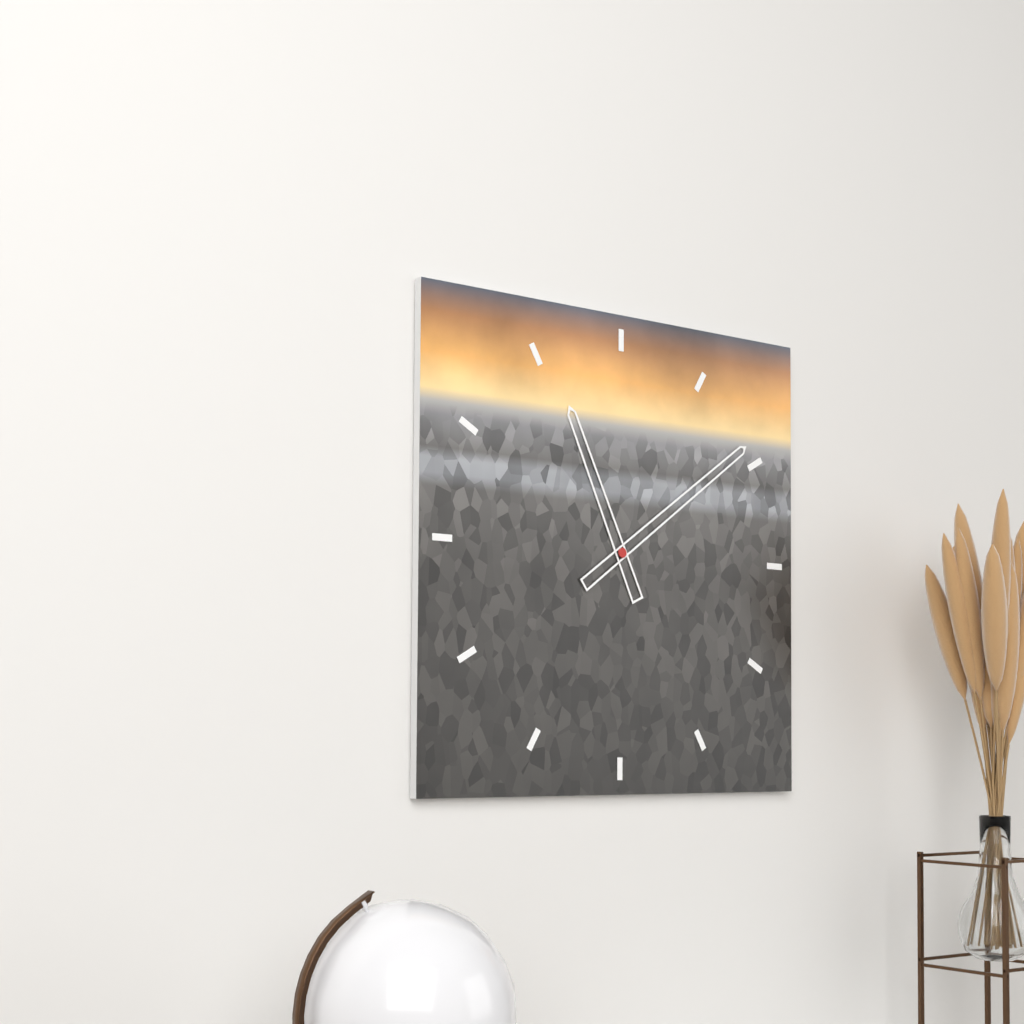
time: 11:09
